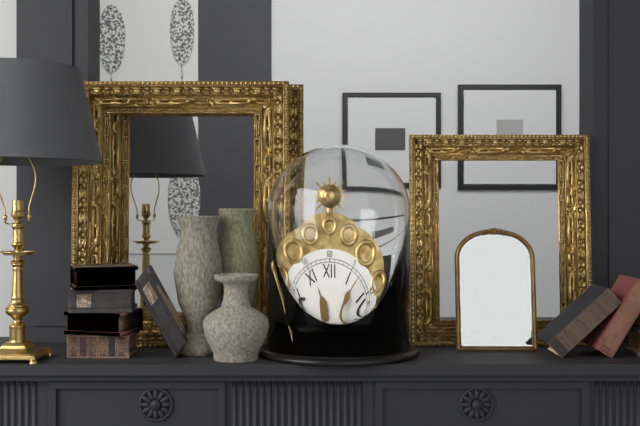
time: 11:07
